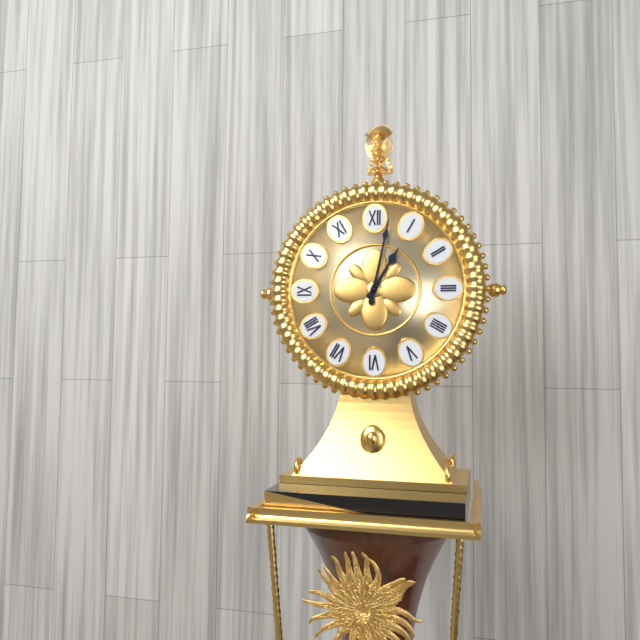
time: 1:02
